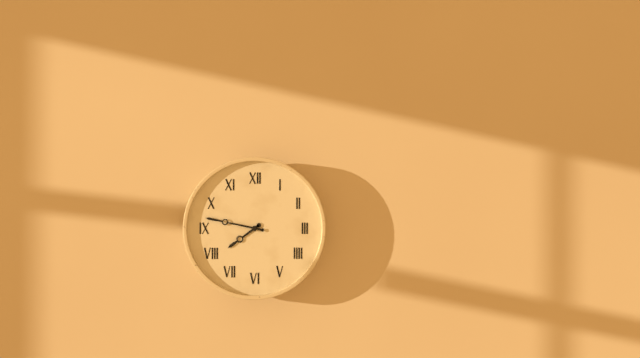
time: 7:47
